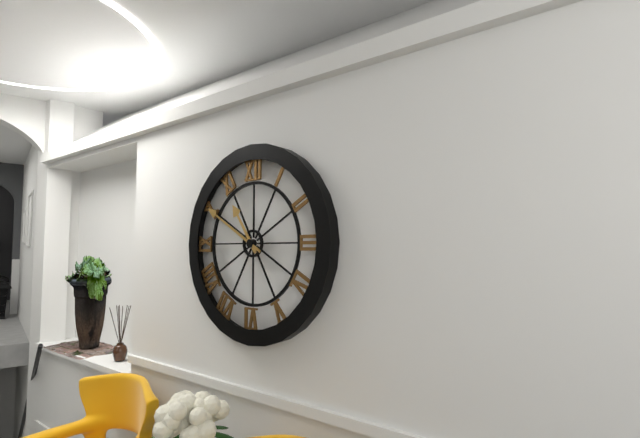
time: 10:50
